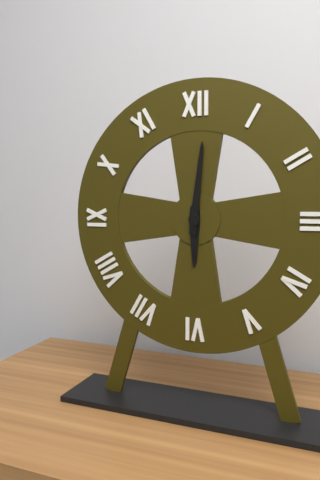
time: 6:01
